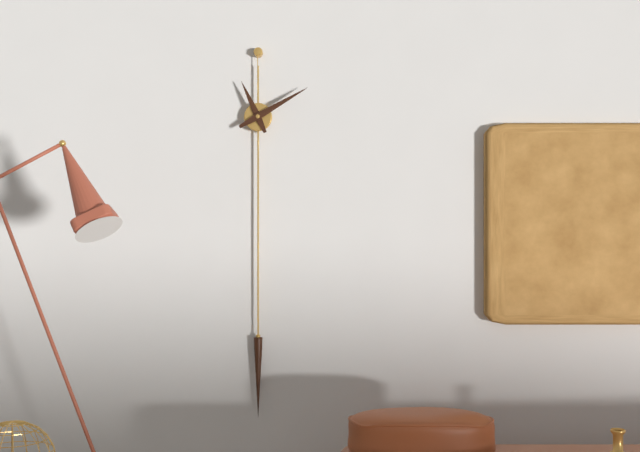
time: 11:10
